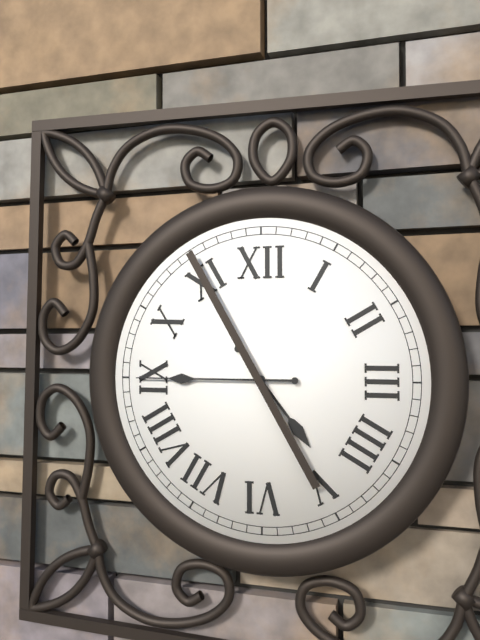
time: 4:45
